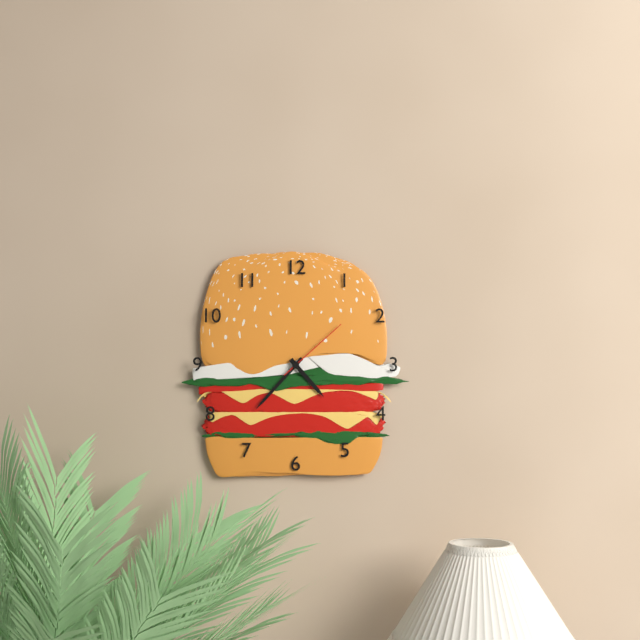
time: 4:37:08
